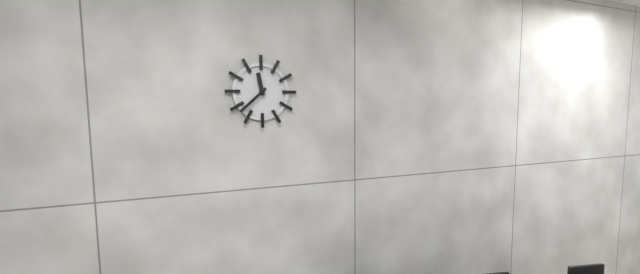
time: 11:38
